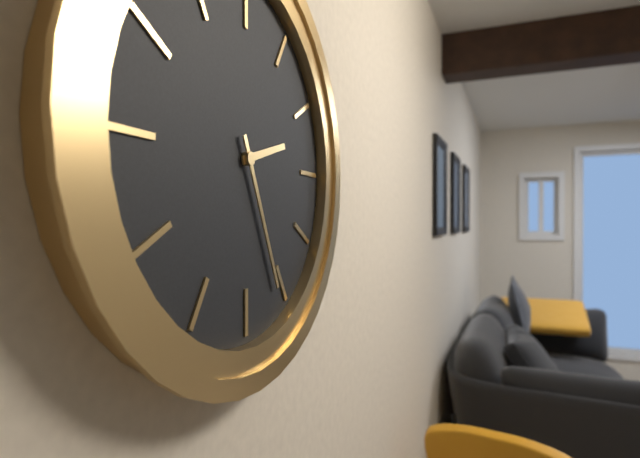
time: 2:26
